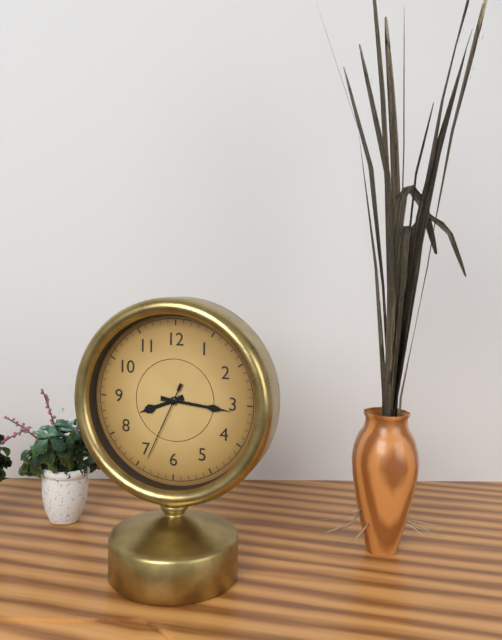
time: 8:16:34
